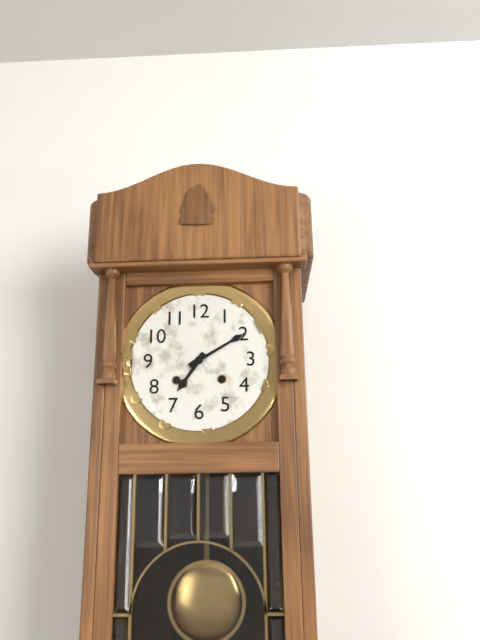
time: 7:10
